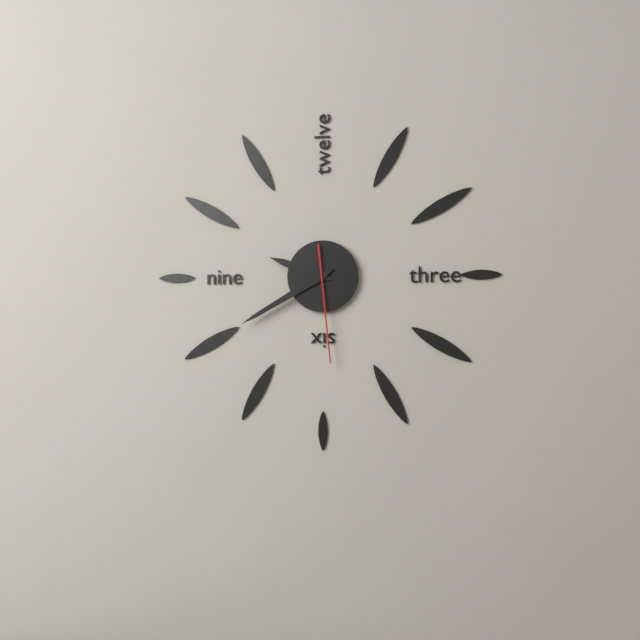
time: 9:40:29
